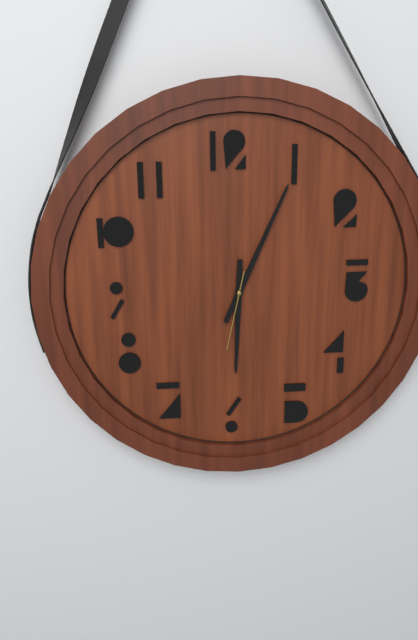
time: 6:04:32
